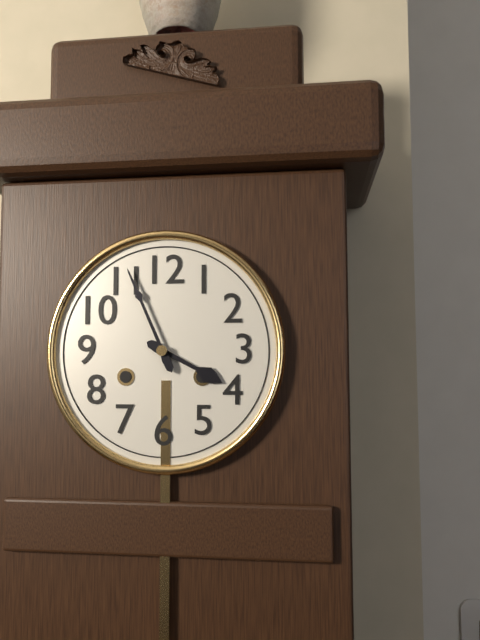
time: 3:56
